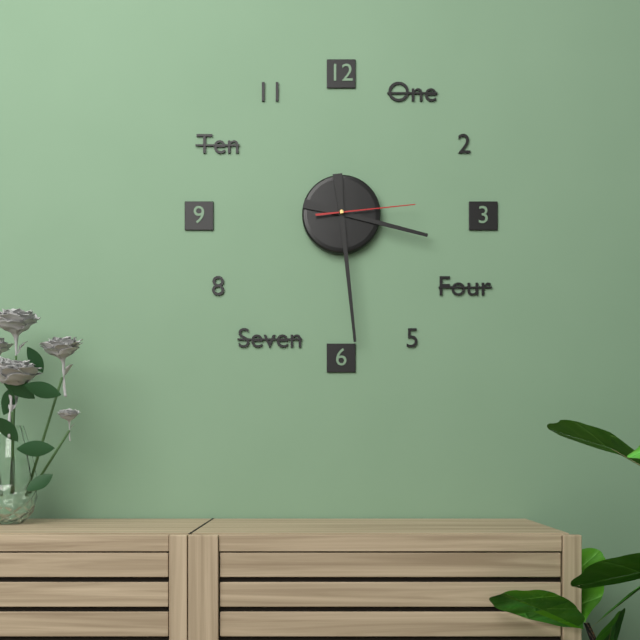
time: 3:29:14
